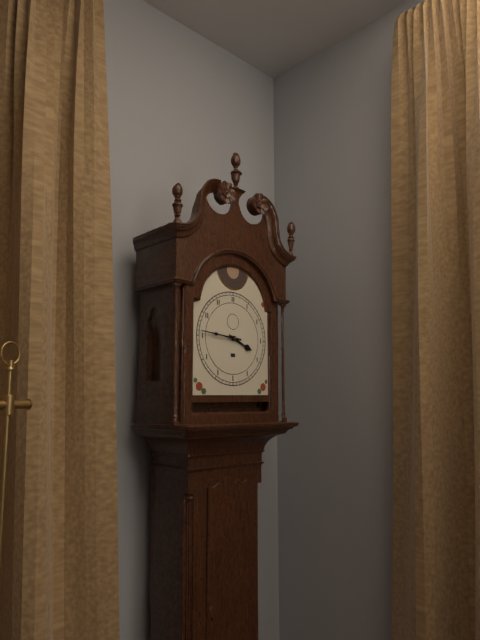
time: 3:46
